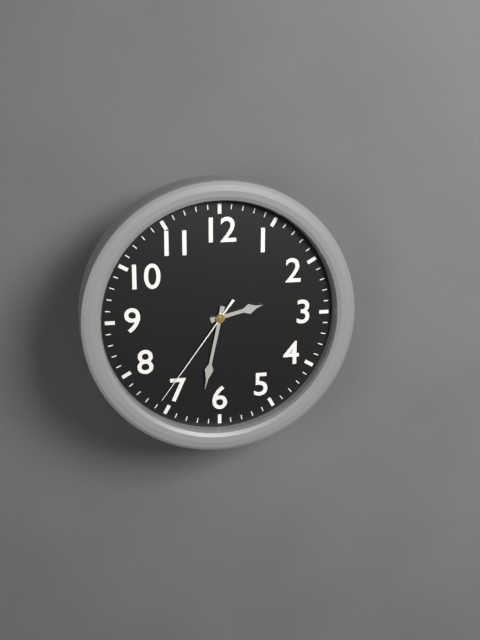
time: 2:32:36
